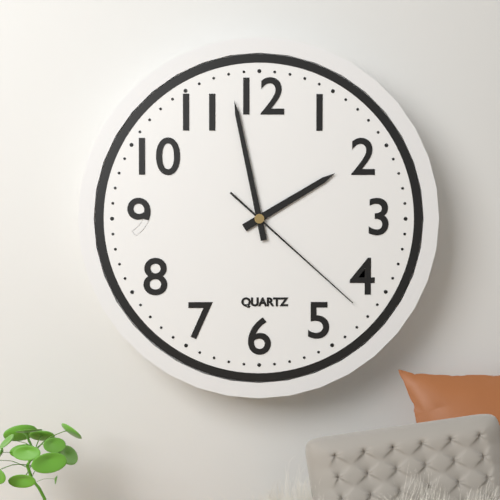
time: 1:58:22
